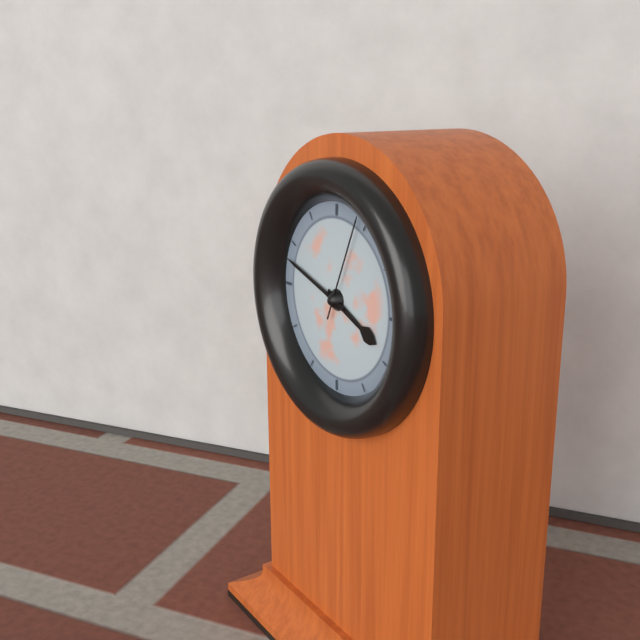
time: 3:48:04
